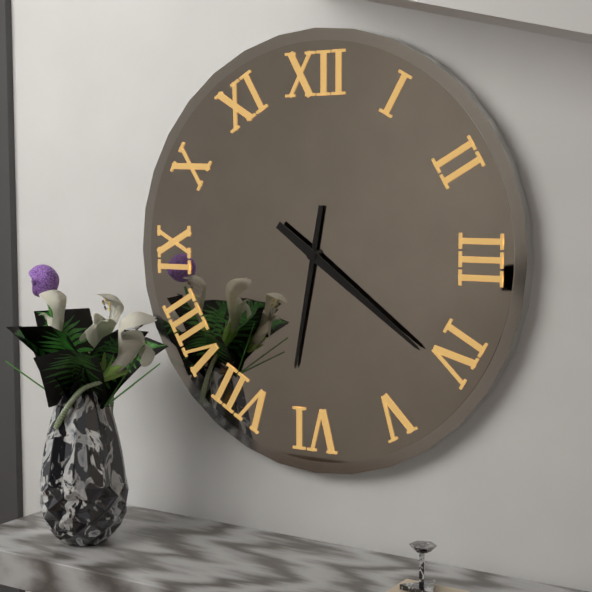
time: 6:21
